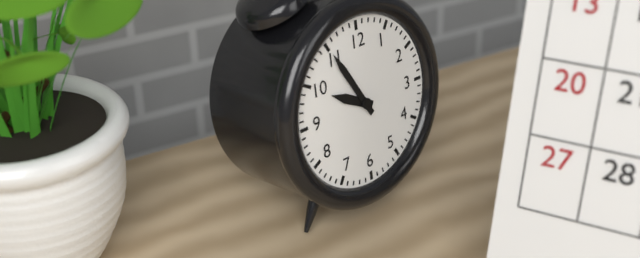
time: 9:55
